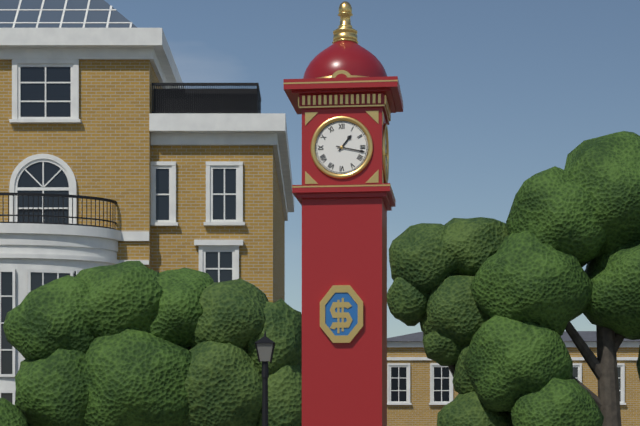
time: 1:17
